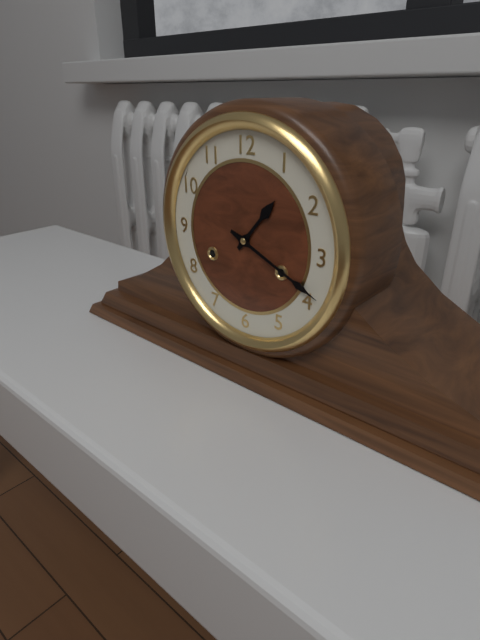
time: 1:19
